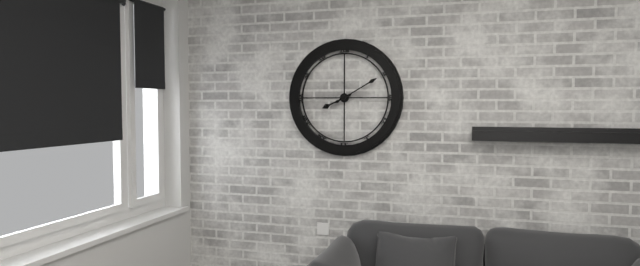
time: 8:10
